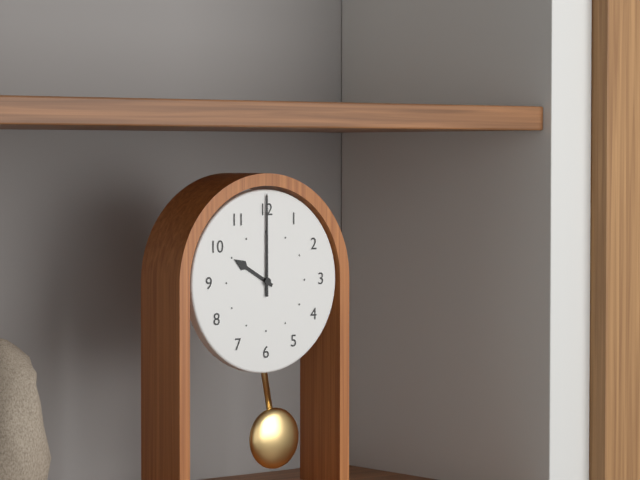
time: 10:00
